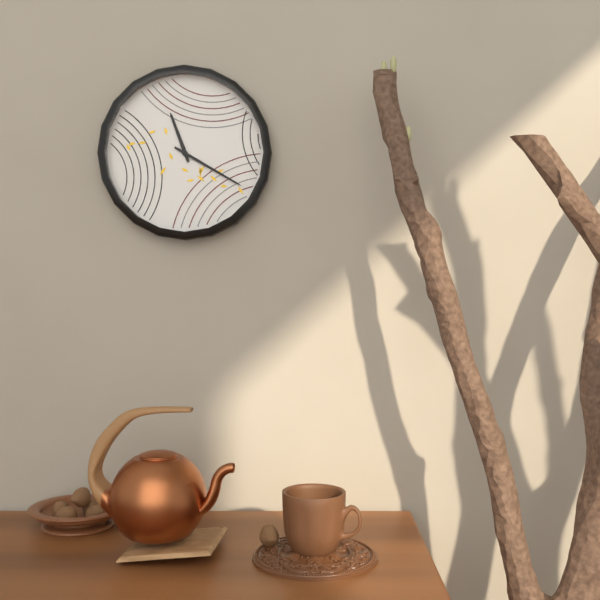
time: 11:20
